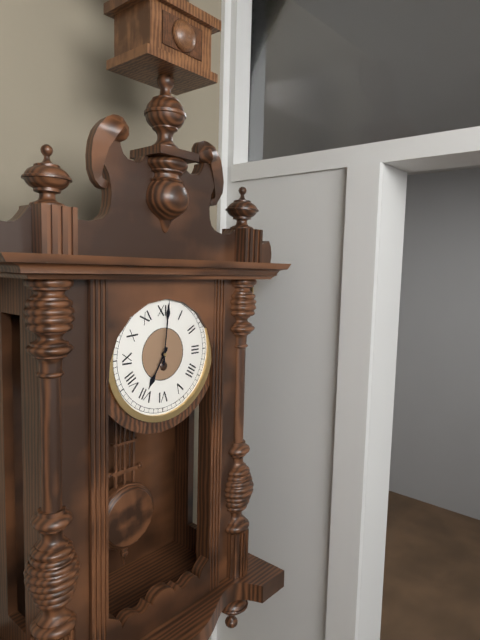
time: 7:01
